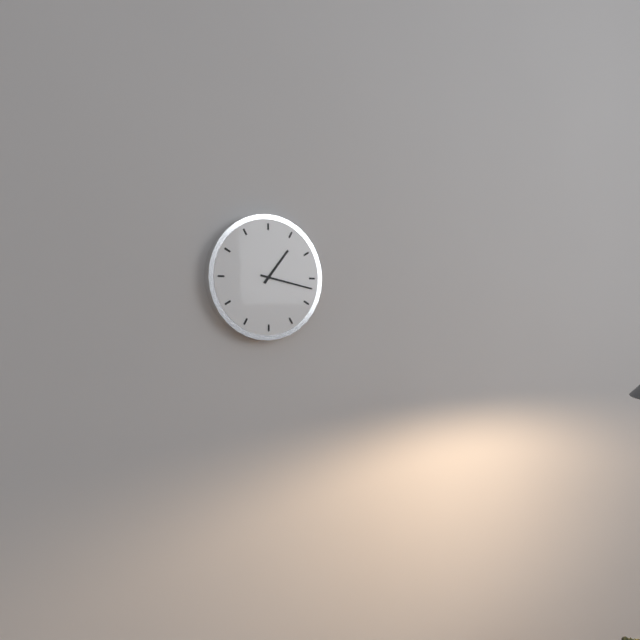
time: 1:17
